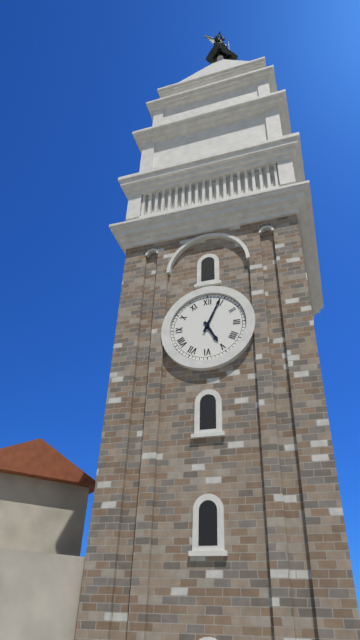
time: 5:04
